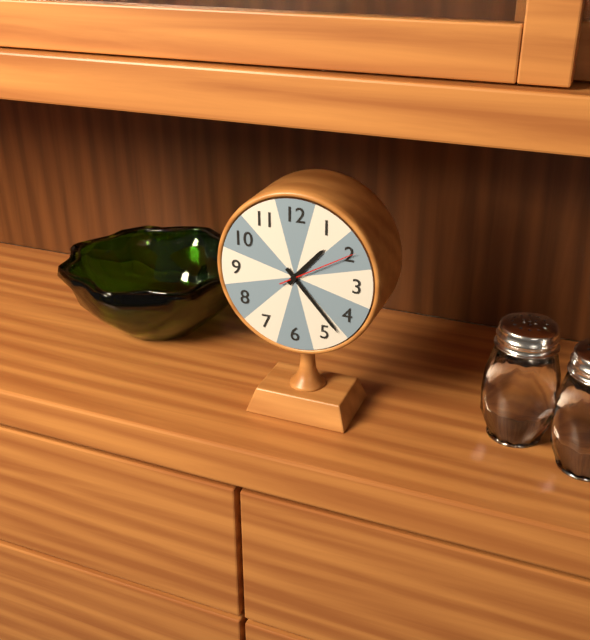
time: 1:23:10
